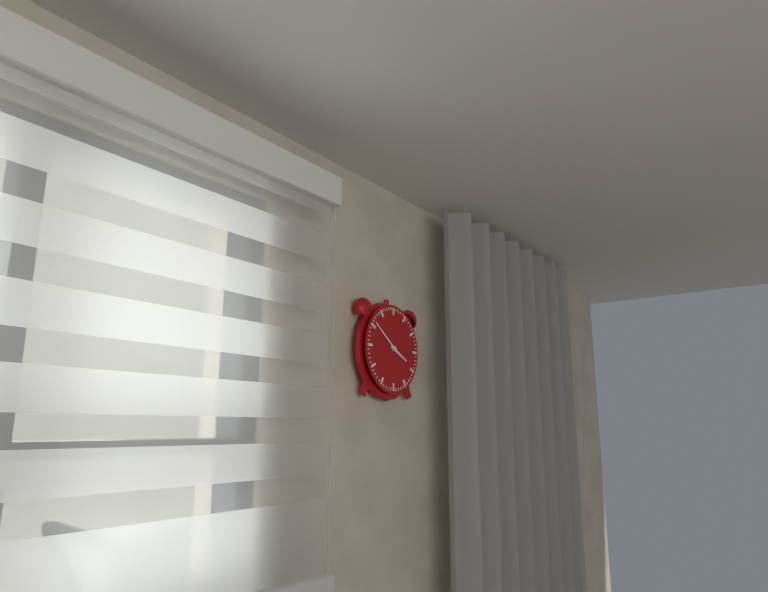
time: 3:51
